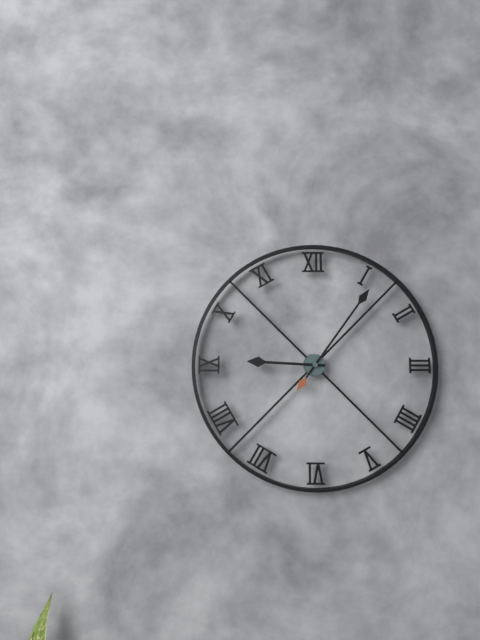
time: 9:06
